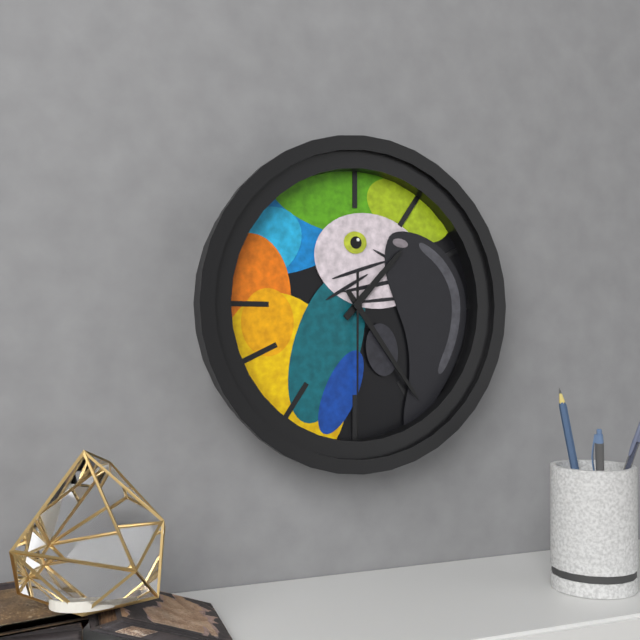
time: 1:24:30
